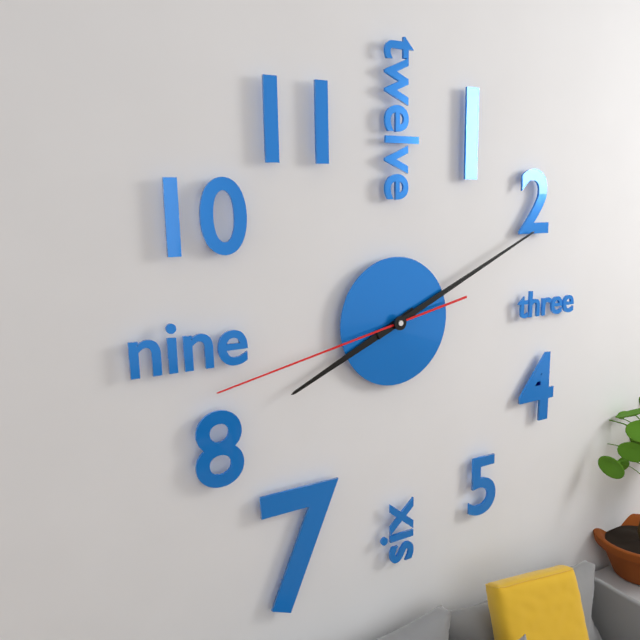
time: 8:11:43
